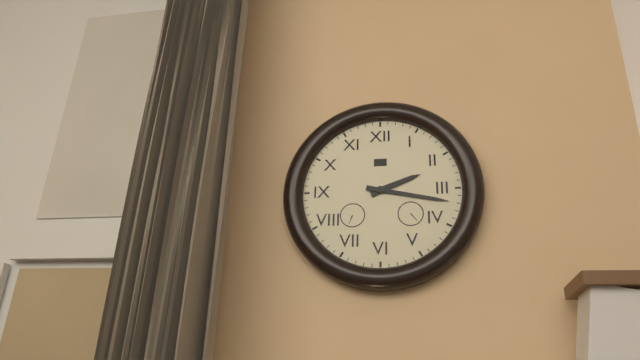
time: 2:17
